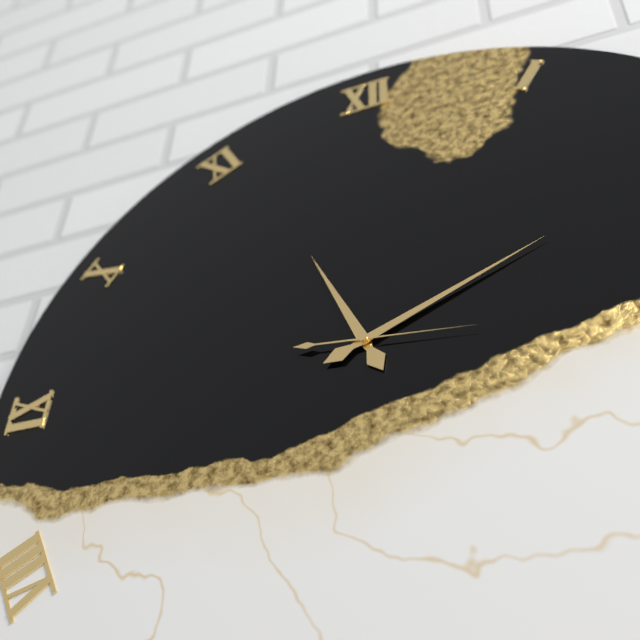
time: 11:11:16
